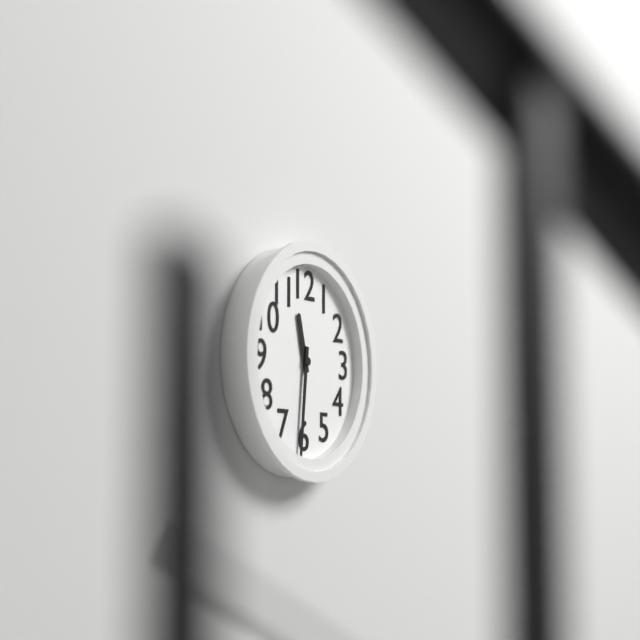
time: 11:31
